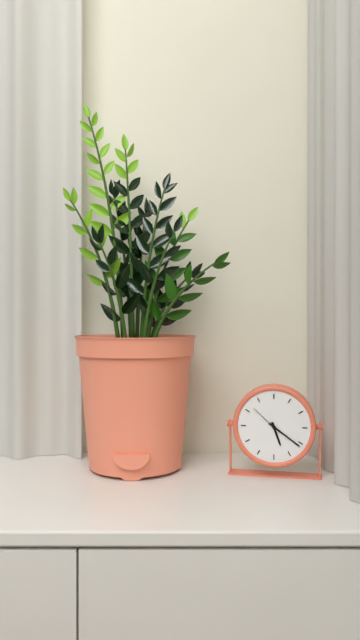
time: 5:21
